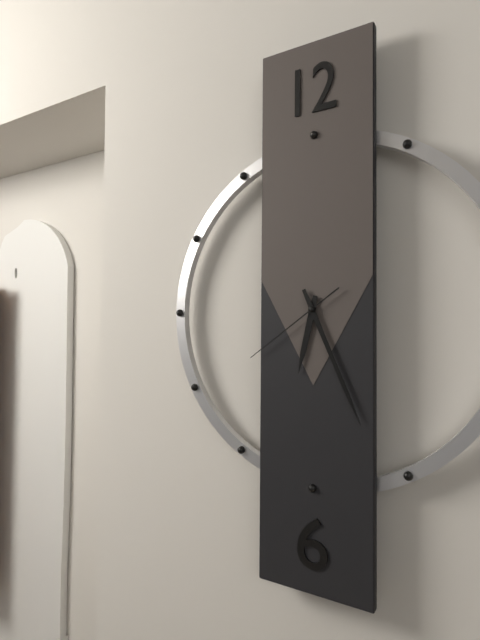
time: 6:26:39
